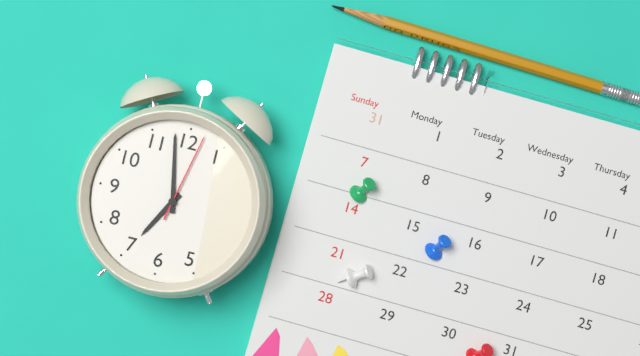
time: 6:58:02
